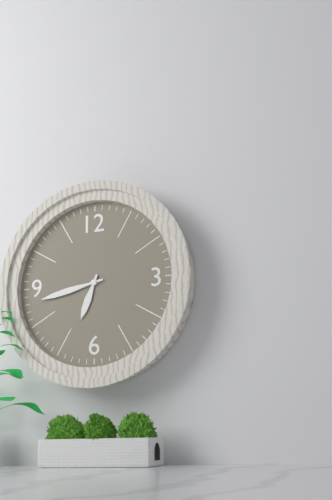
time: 6:43
